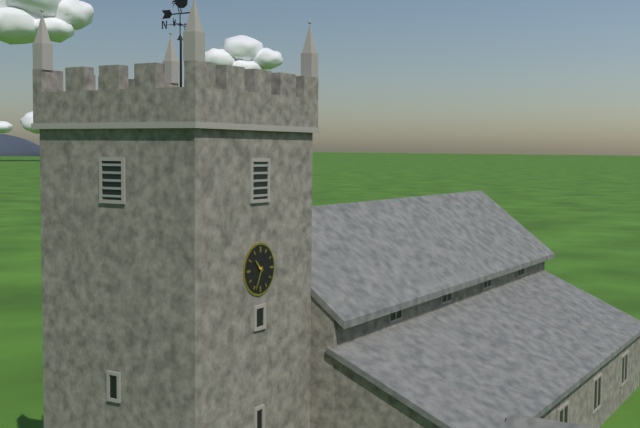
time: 10:34
